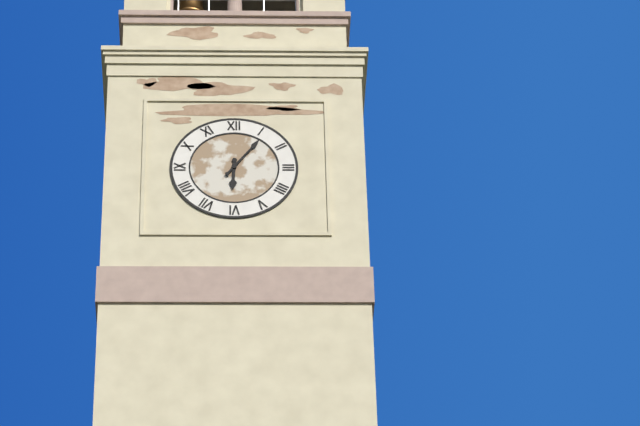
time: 6:06
